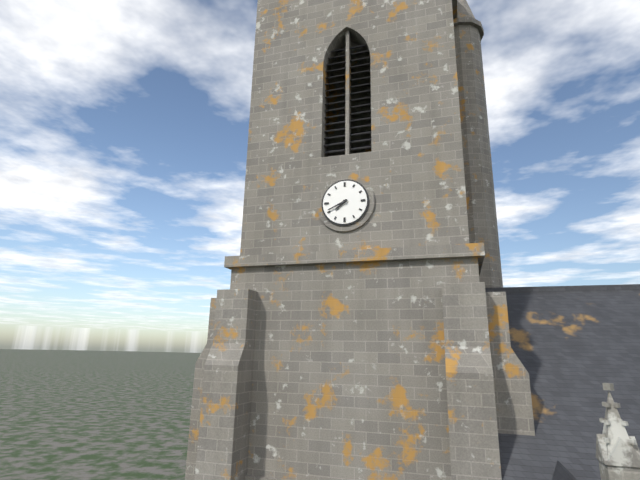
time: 7:41
